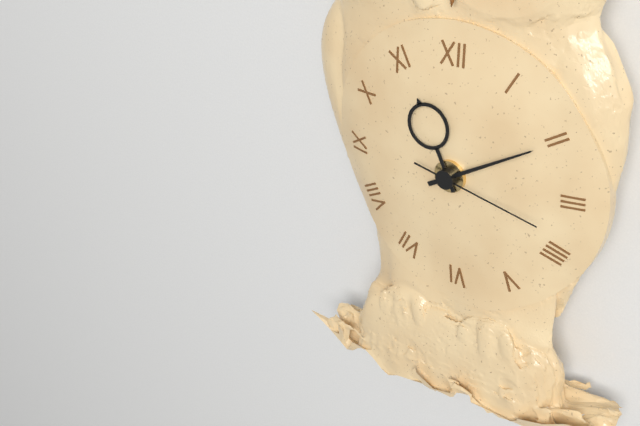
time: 11:10:17
